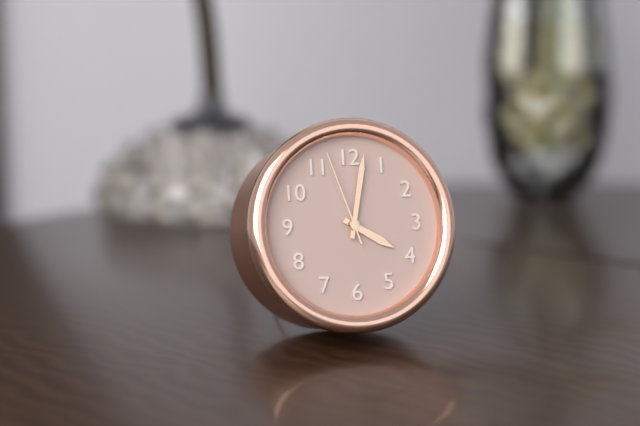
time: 4:02:57
